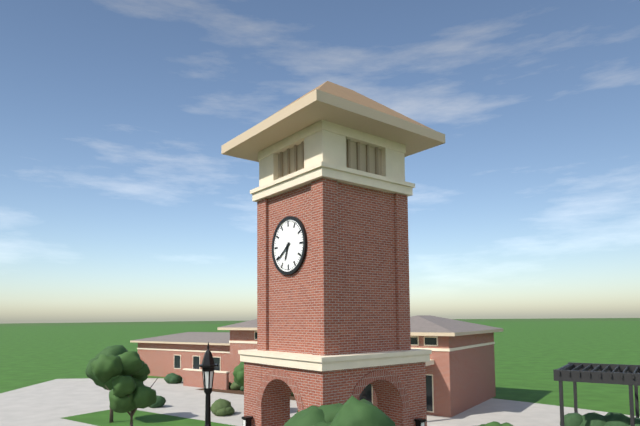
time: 6:39
